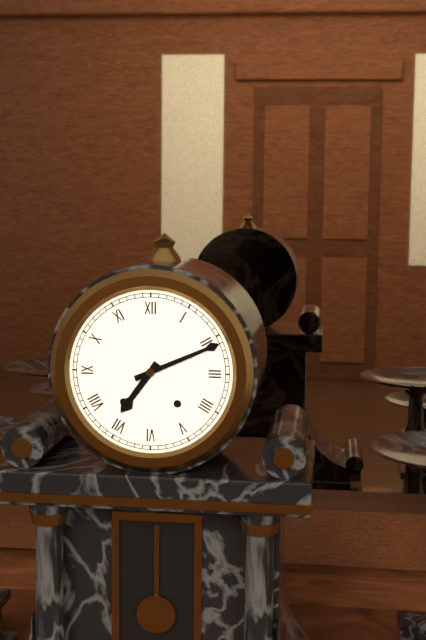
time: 7:11
